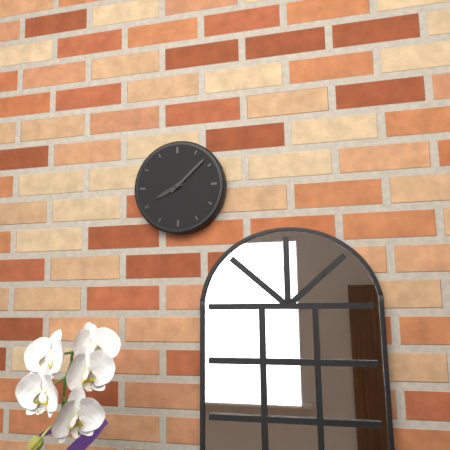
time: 8:08
